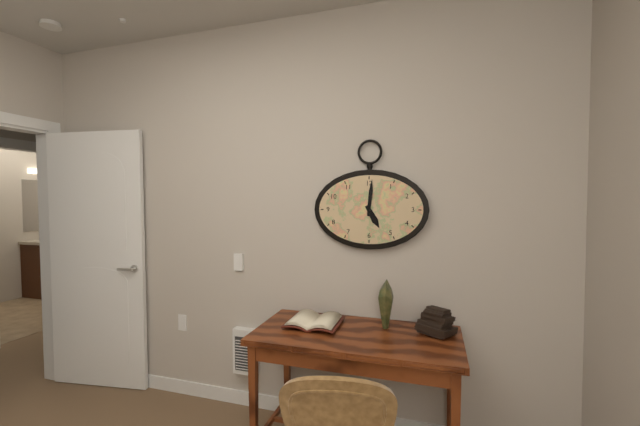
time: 5:01
